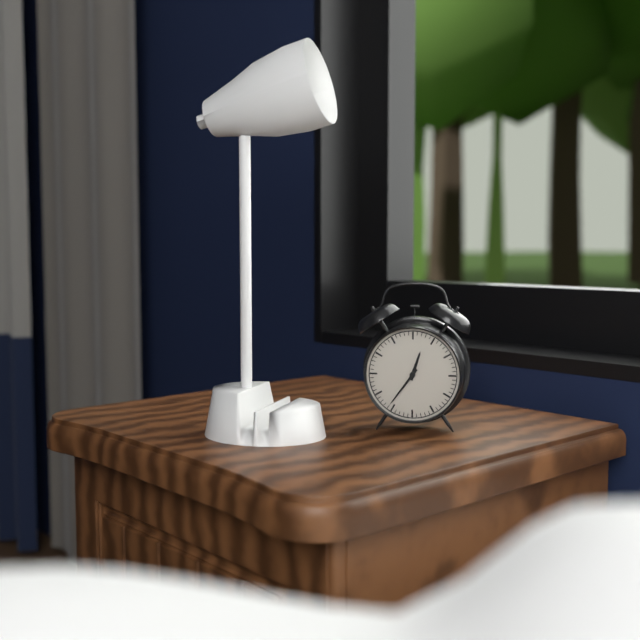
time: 12:36
